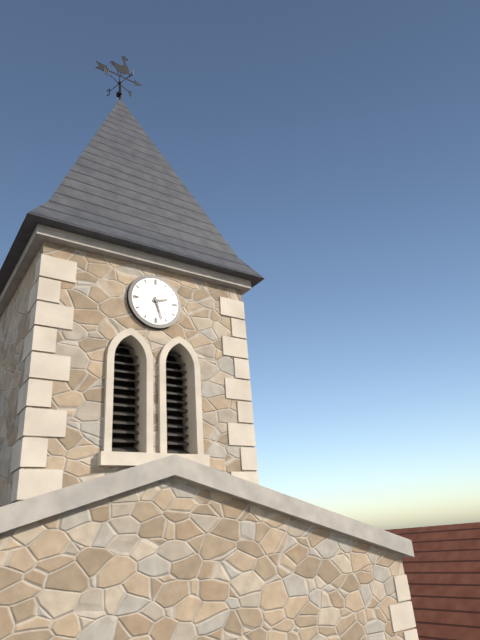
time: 2:27
